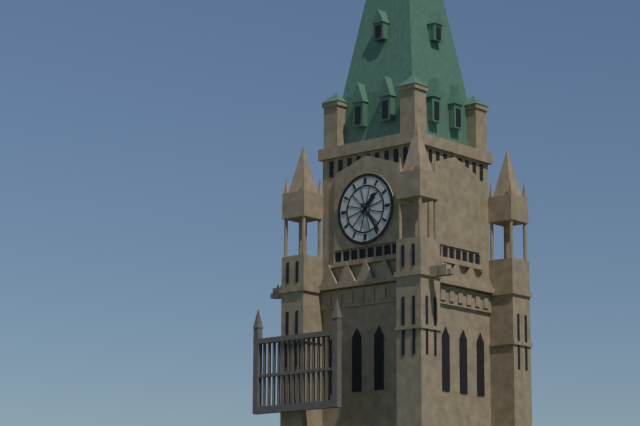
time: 1:24
